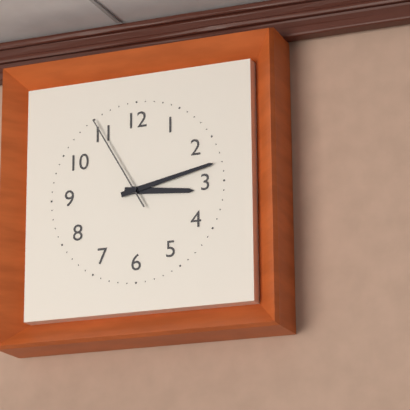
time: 3:13:55
